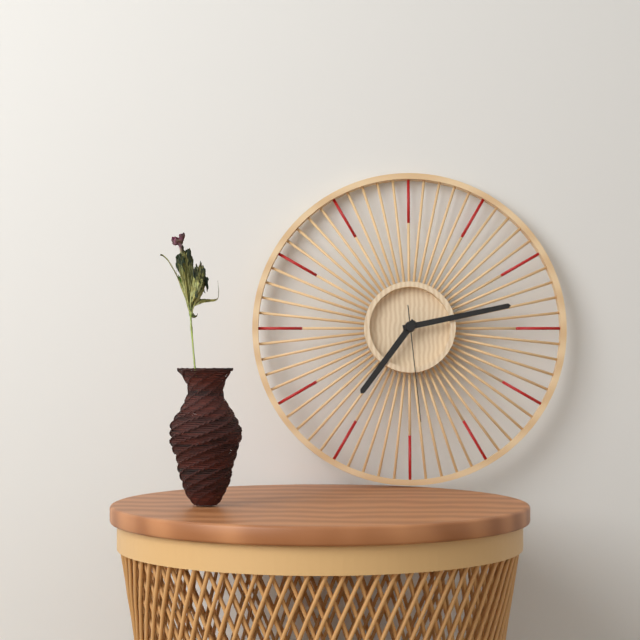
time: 7:13:29
